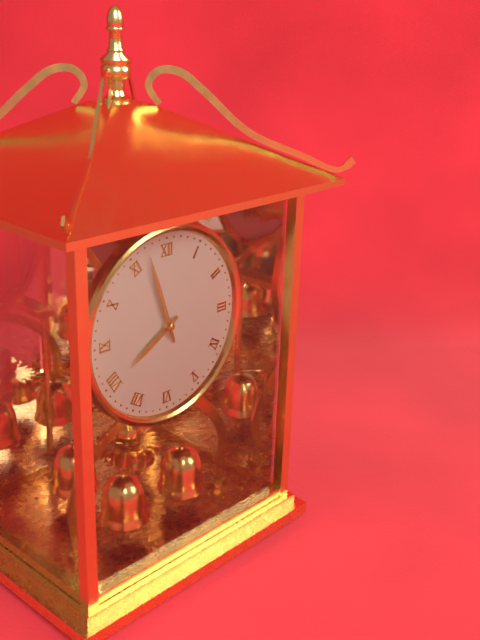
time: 7:57
